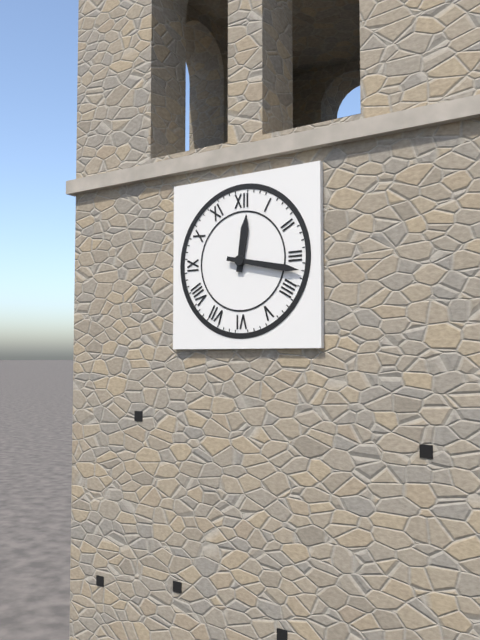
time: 12:17
